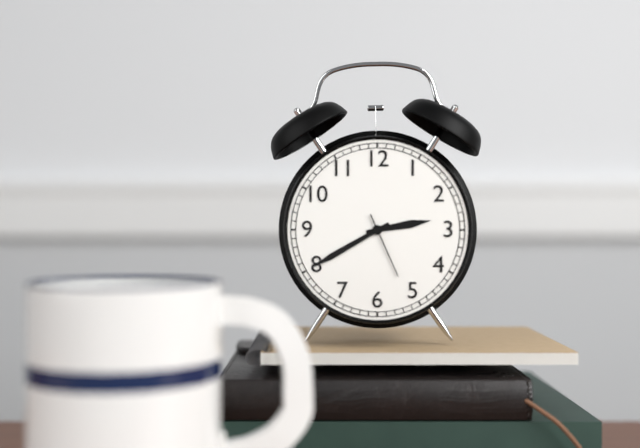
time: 2:40:26
